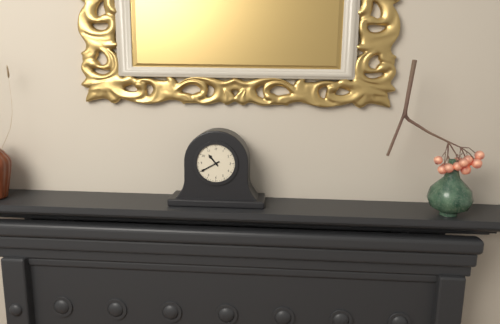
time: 10:40
